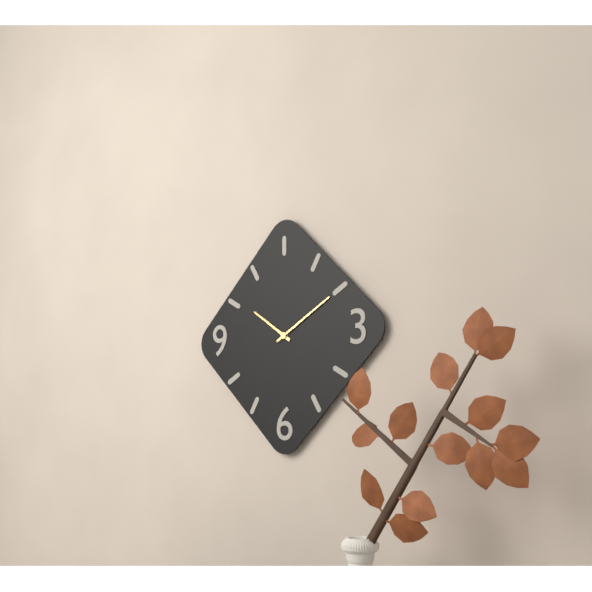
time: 10:10
